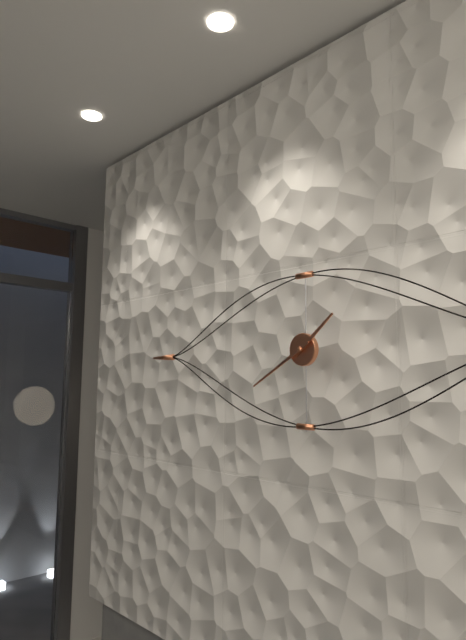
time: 1:40
